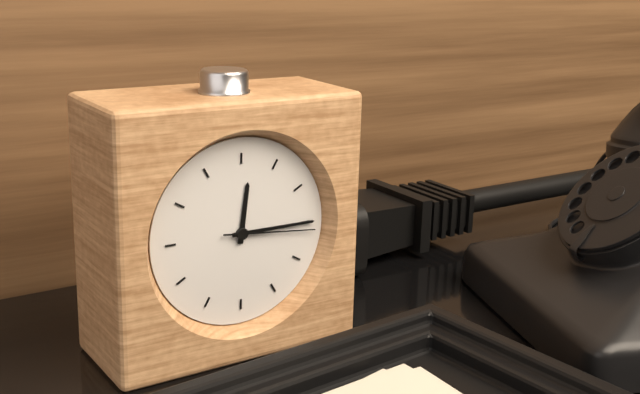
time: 12:15:16
